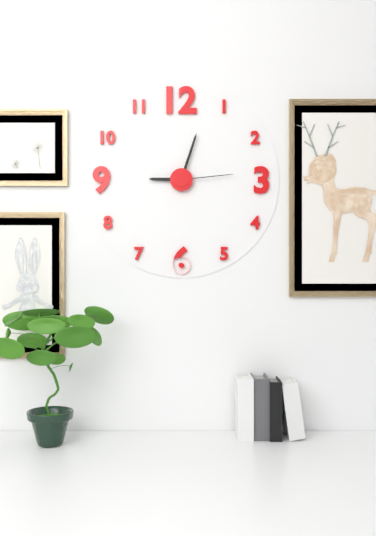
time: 9:03:14
